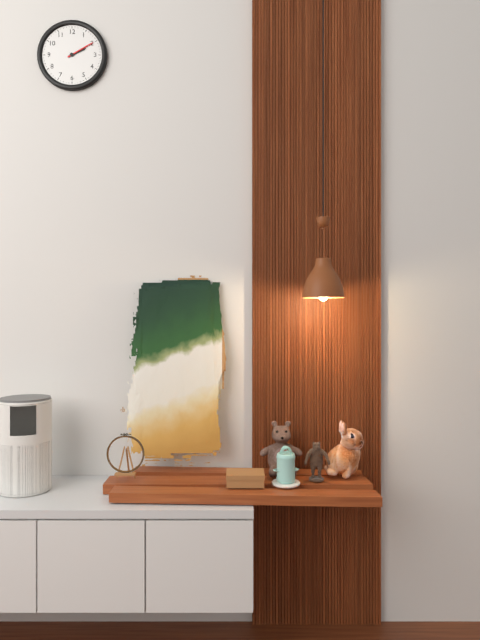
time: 2:10
